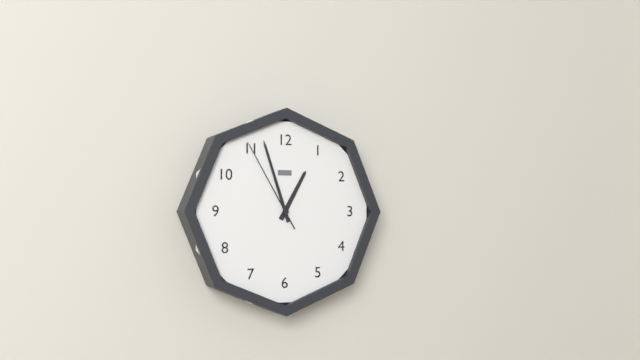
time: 12:57:55
